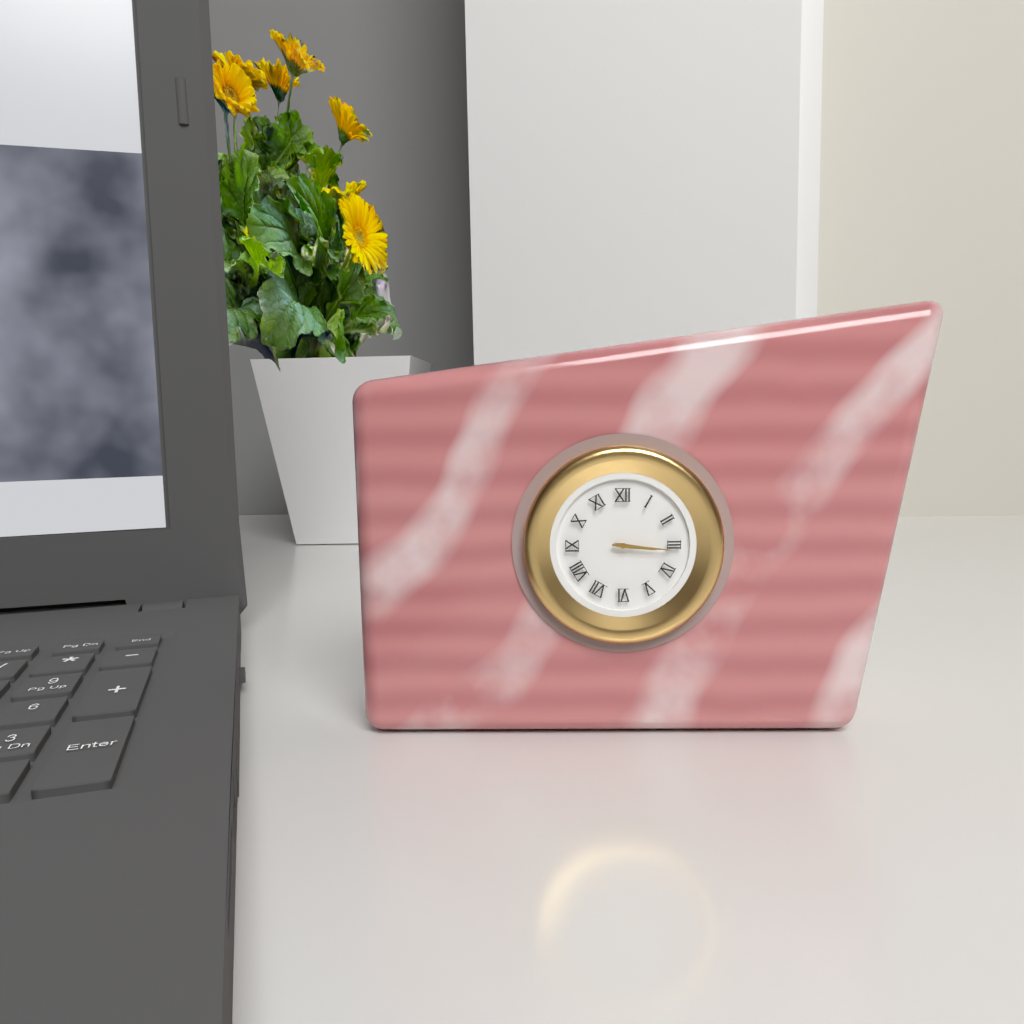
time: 3:16
